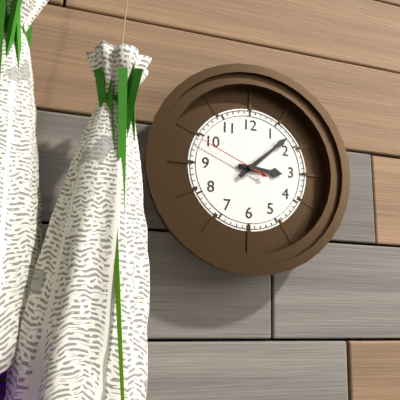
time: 3:08:49
